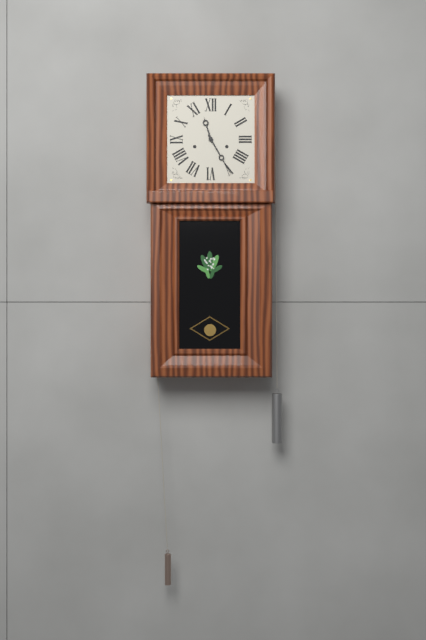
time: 11:25
